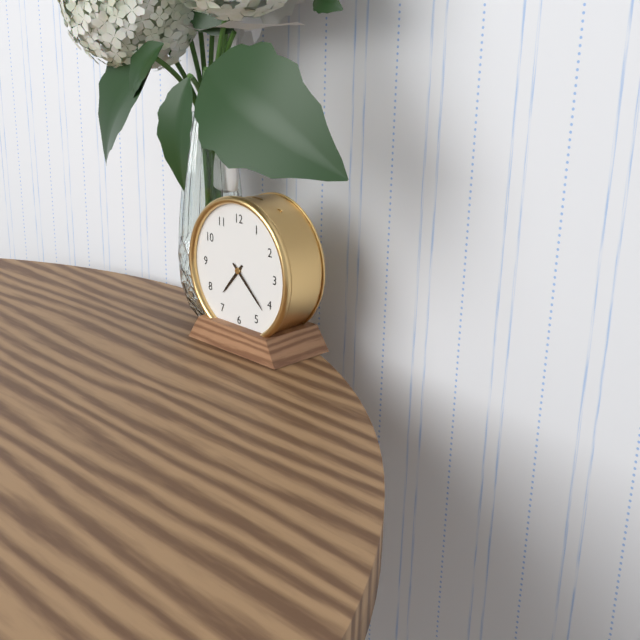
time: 7:22
